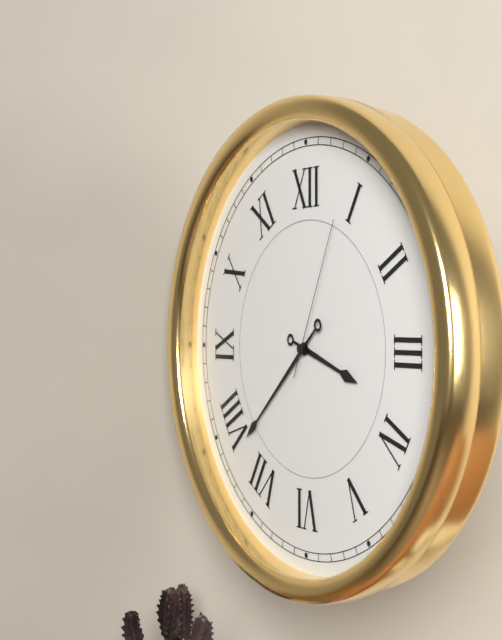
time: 3:38:04
